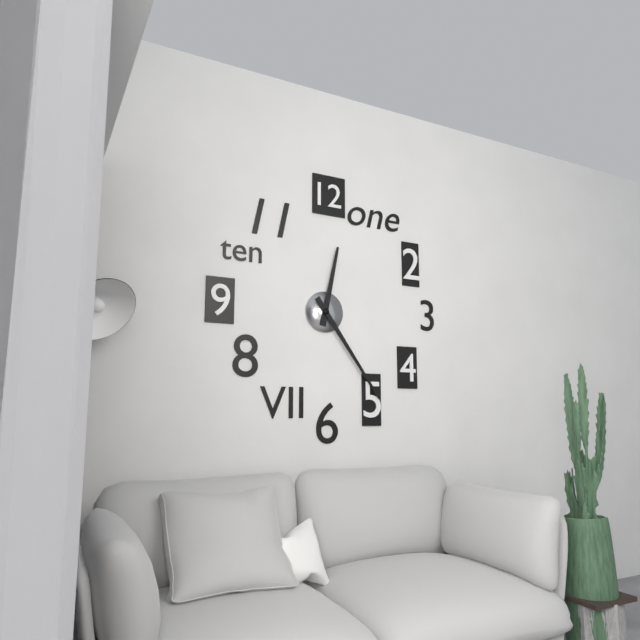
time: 12:24
